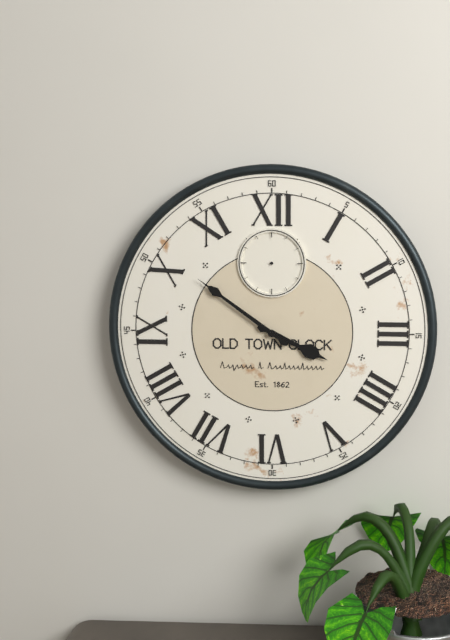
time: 3:51
